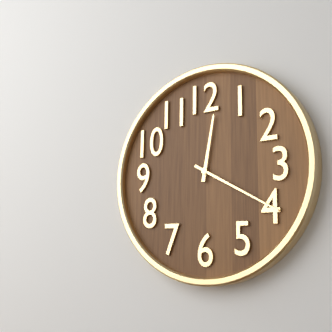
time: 12:20
